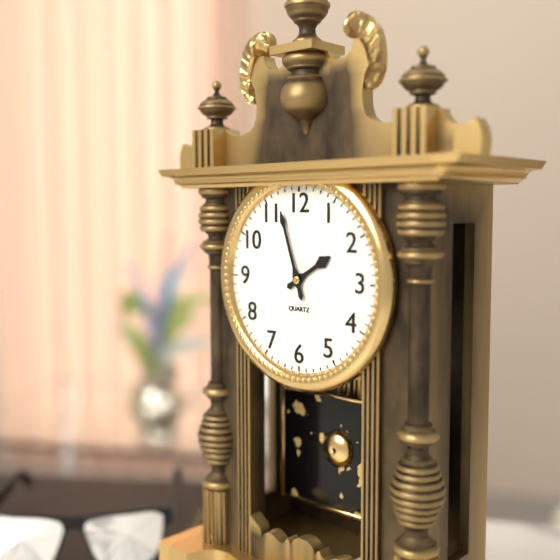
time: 1:57
